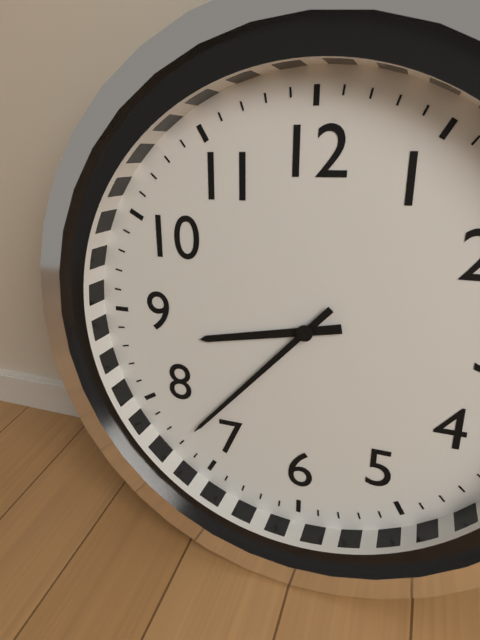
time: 8:37
